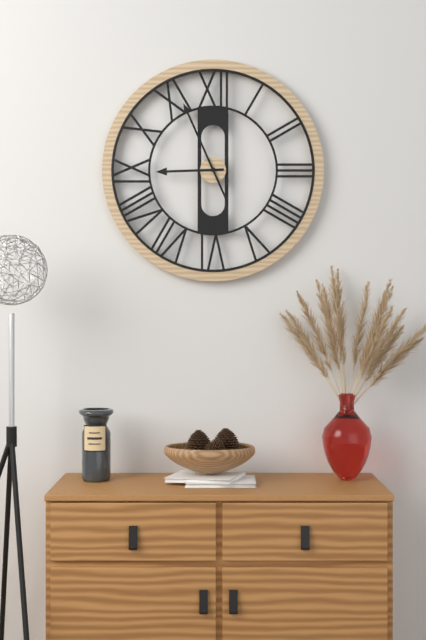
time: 8:56
